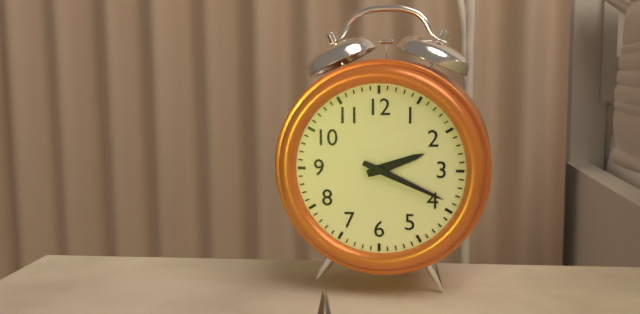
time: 2:19
